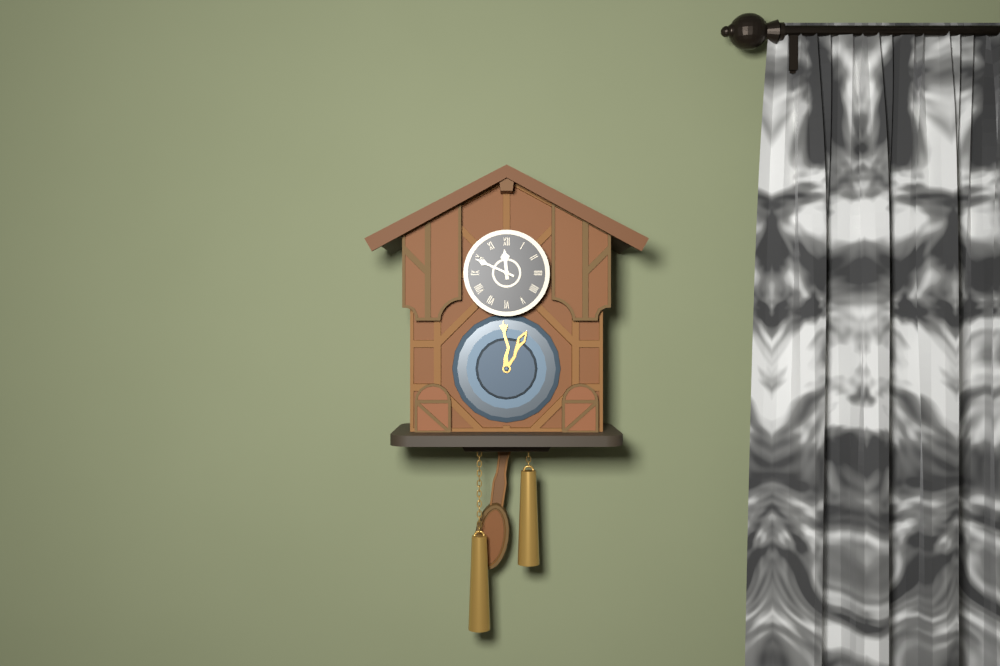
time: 11:49
